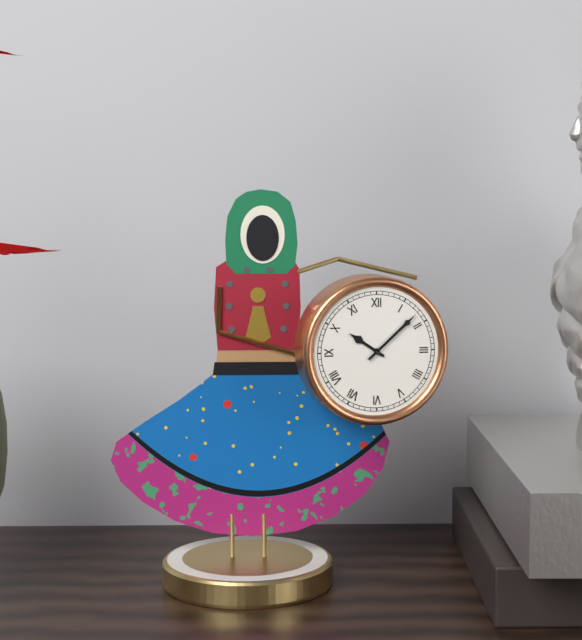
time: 10:08
